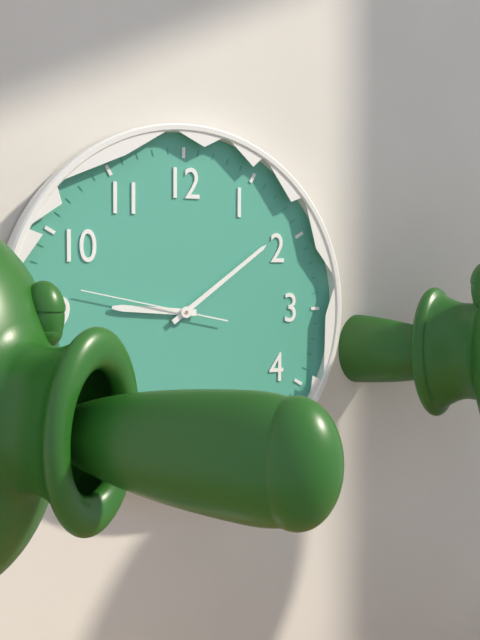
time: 9:09:47
